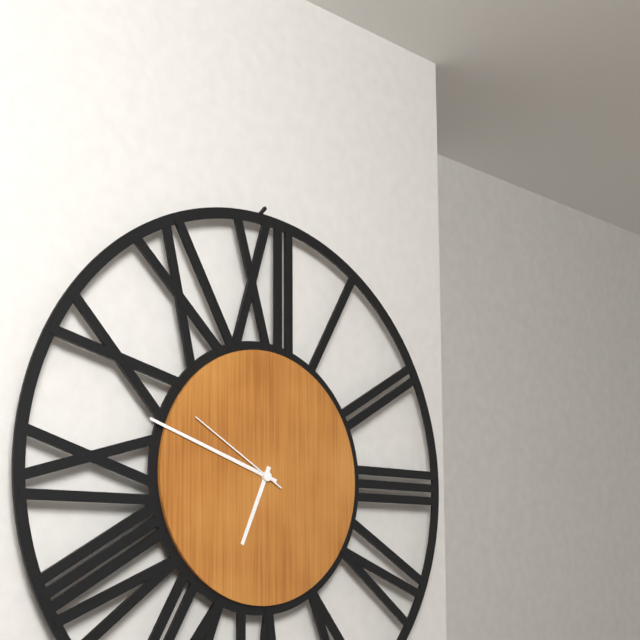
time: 6:48:50
